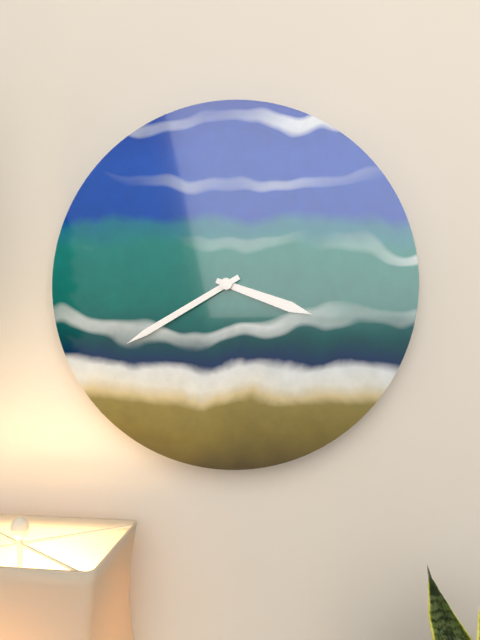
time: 3:40
